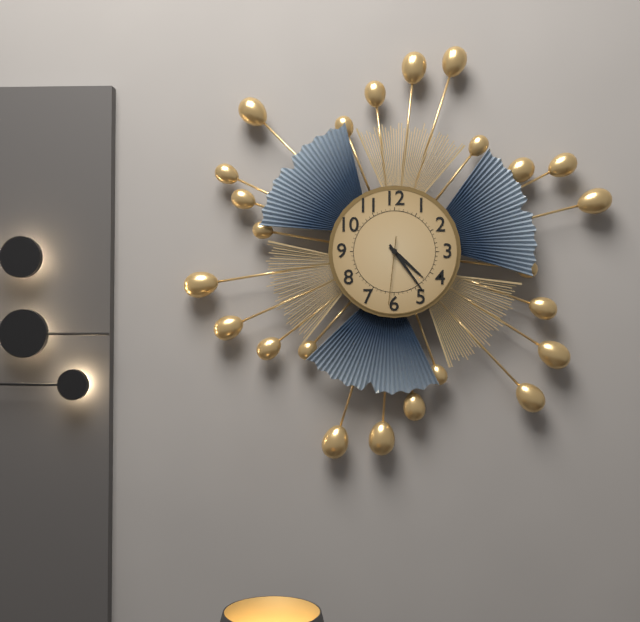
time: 4:24:31
